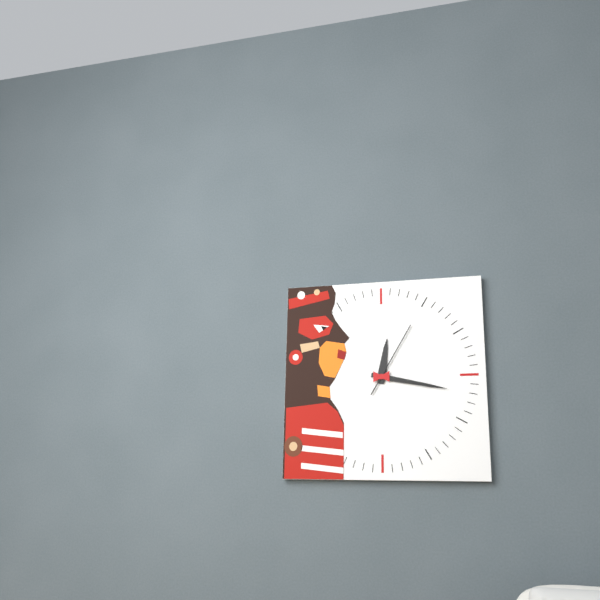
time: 12:17:05
